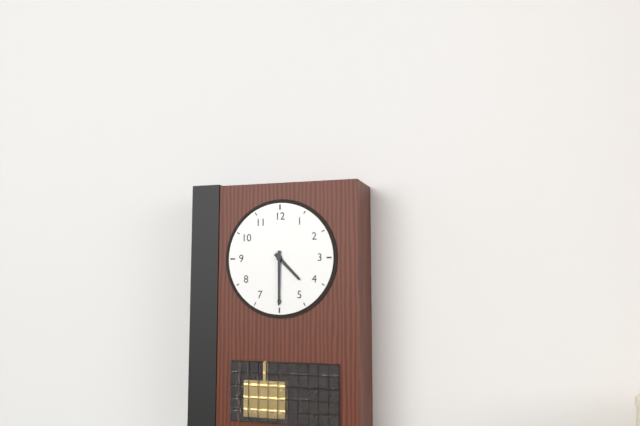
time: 4:30
